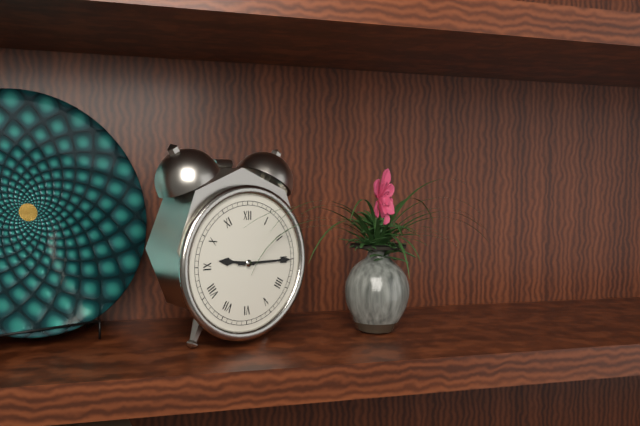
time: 9:15
